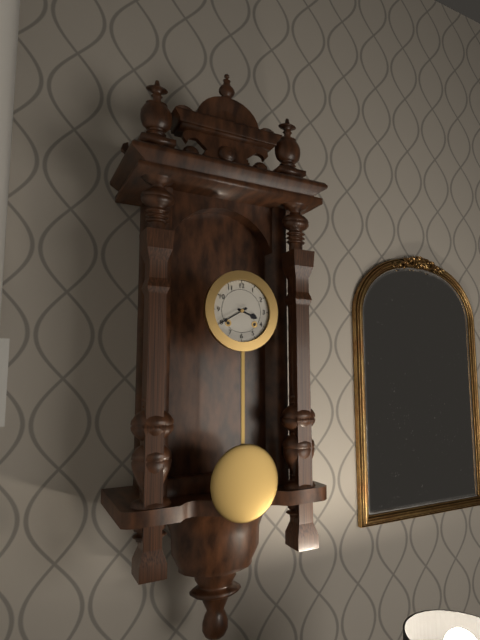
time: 3:40
